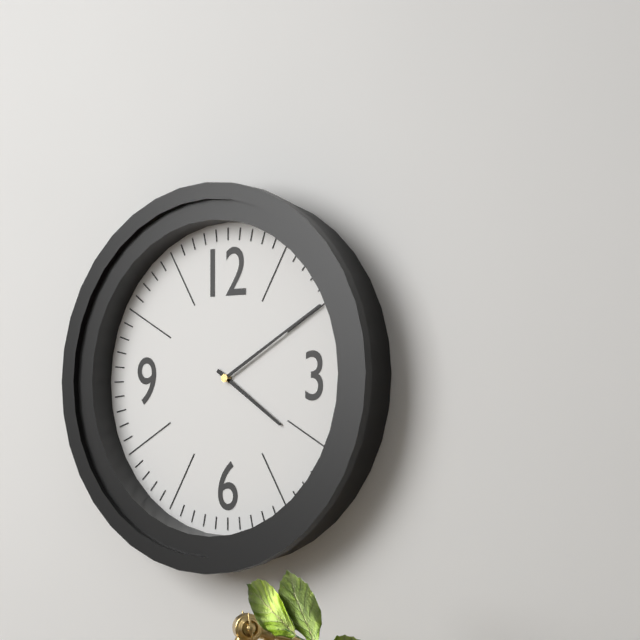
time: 4:10
